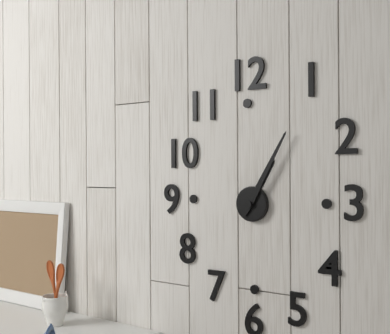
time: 1:05
